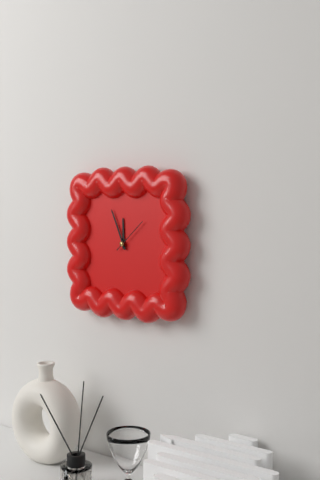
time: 11:56
